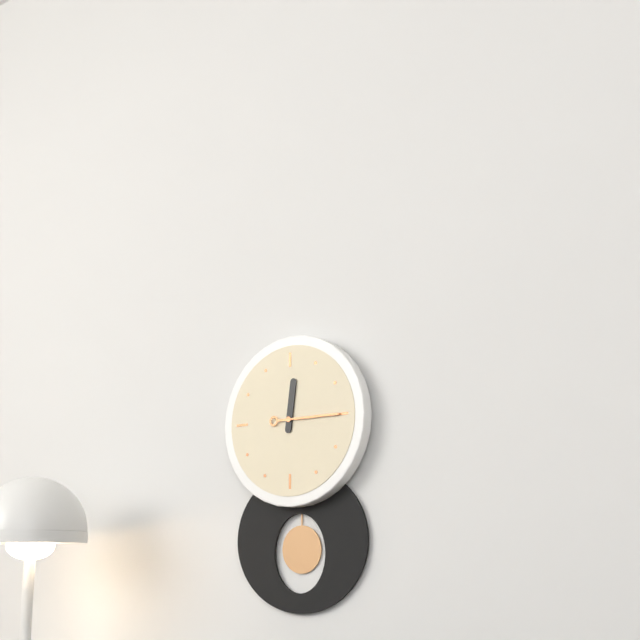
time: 12:15
